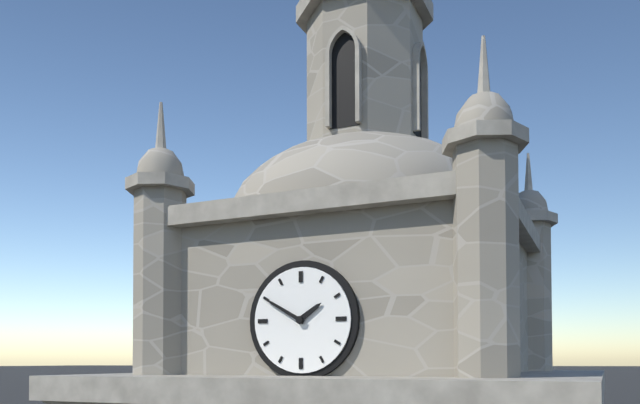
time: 1:50
